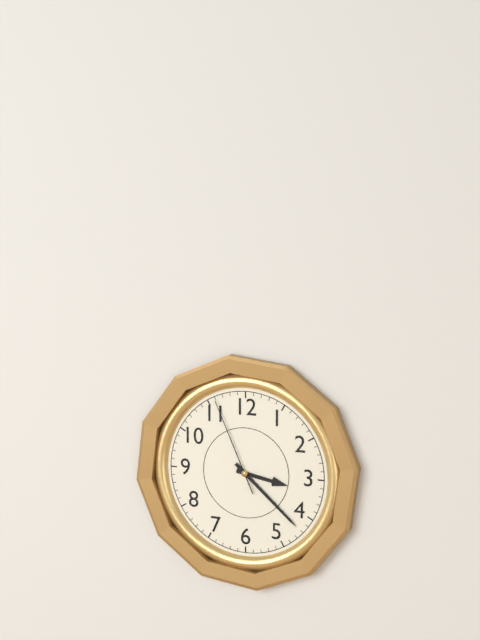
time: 3:22:56
